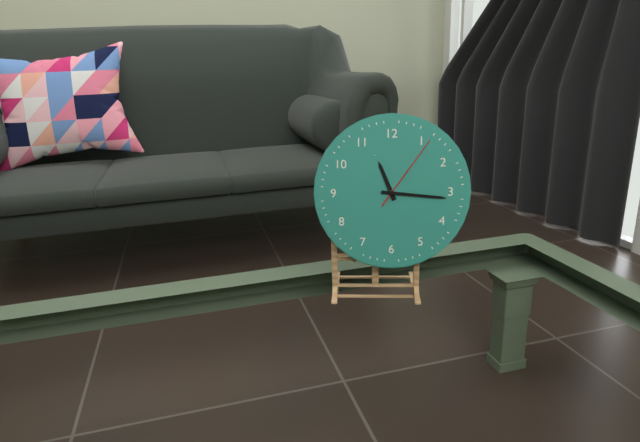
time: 11:16:06
